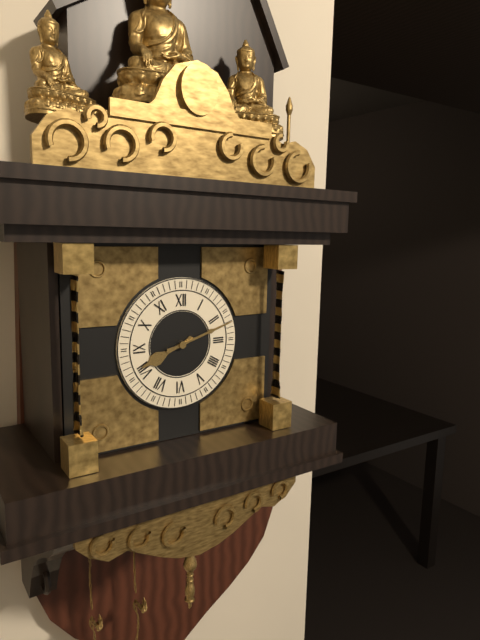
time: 8:12
